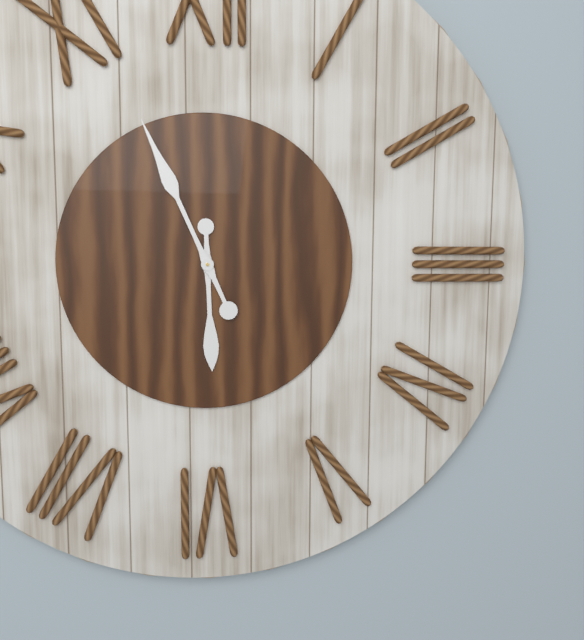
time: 5:56
